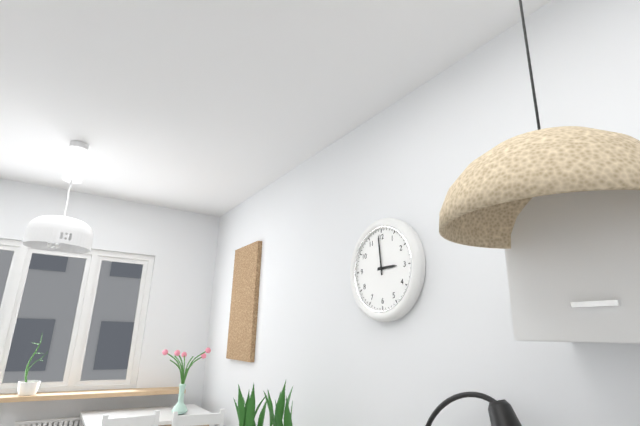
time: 2:59
